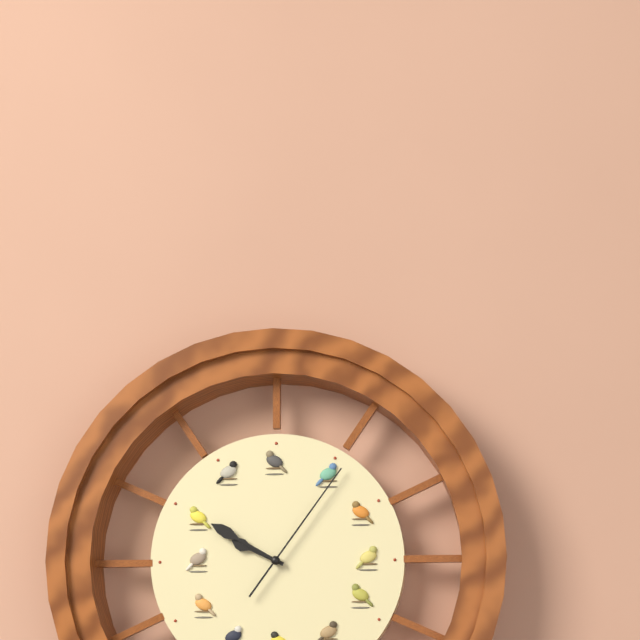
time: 9:50:06
